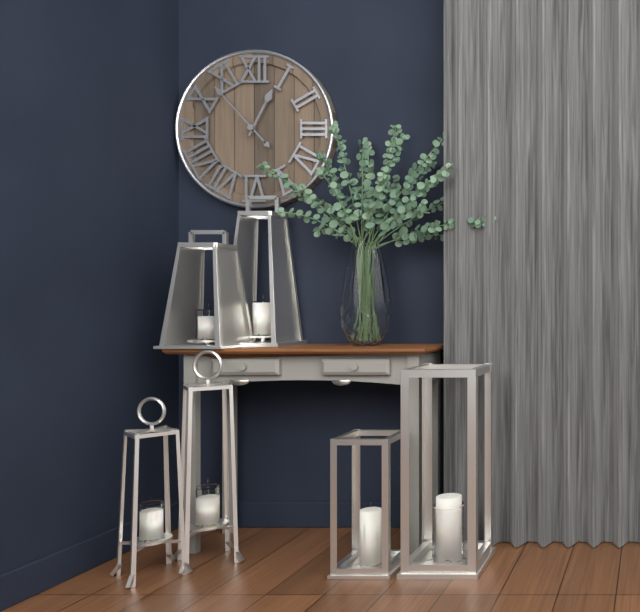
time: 12:53
